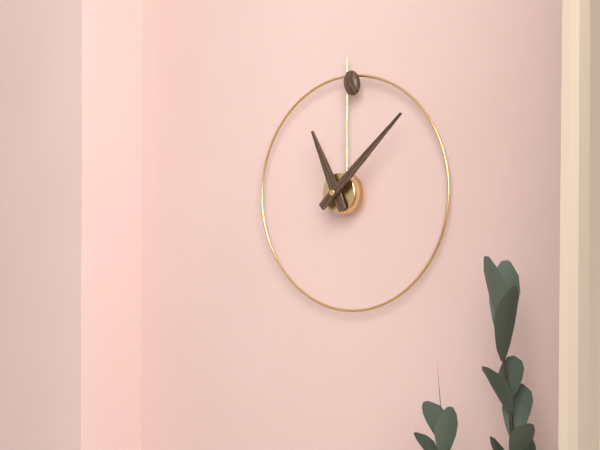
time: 11:08
